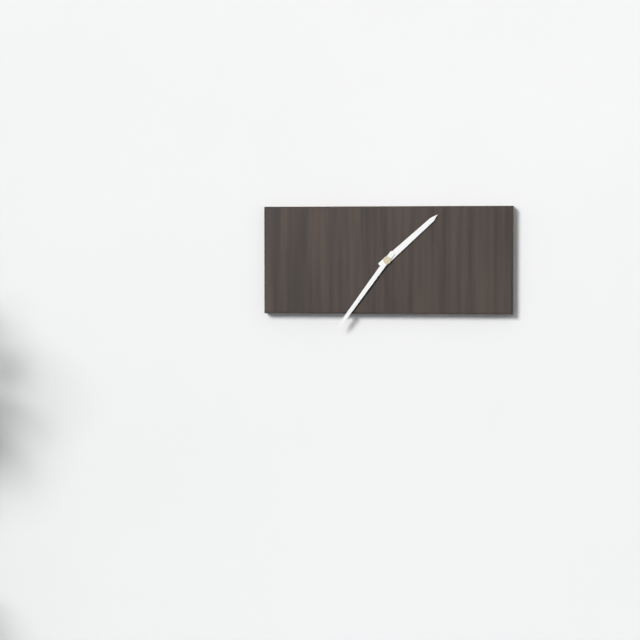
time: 1:36
